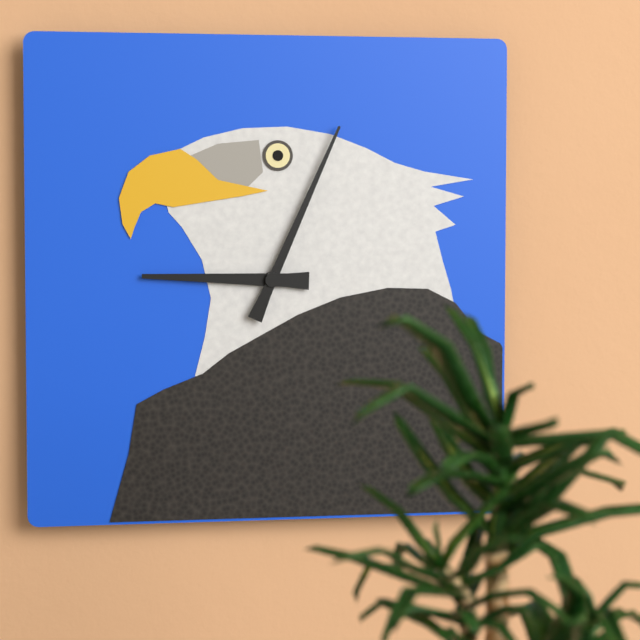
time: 9:04
